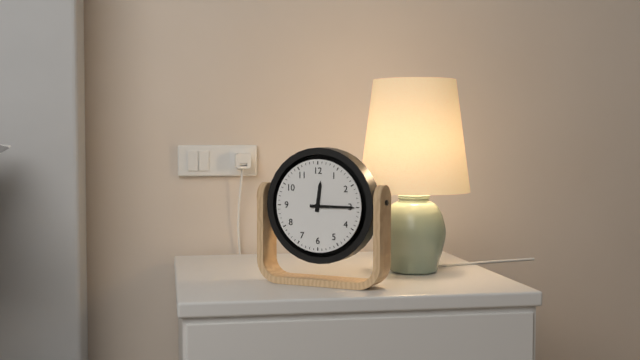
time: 12:15
